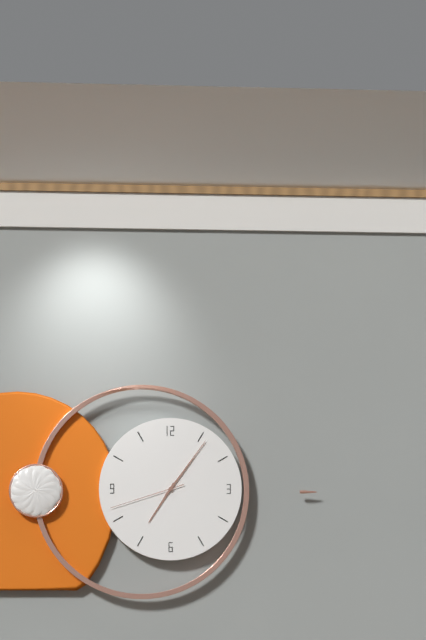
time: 7:06:42
